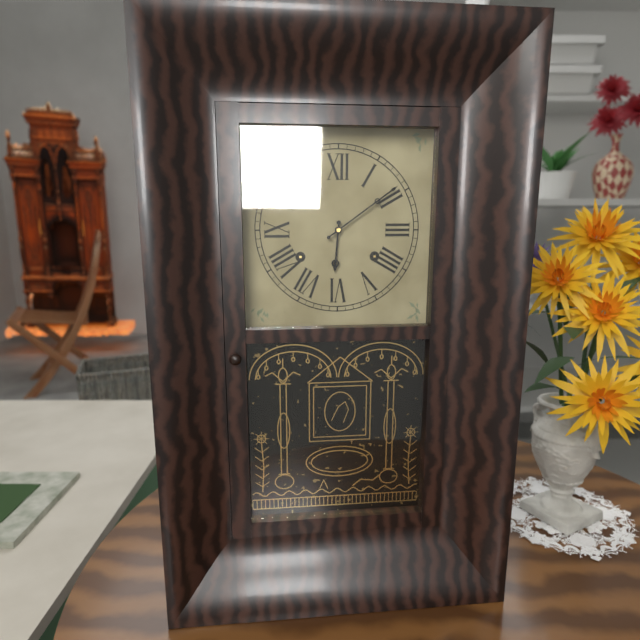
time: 6:09
